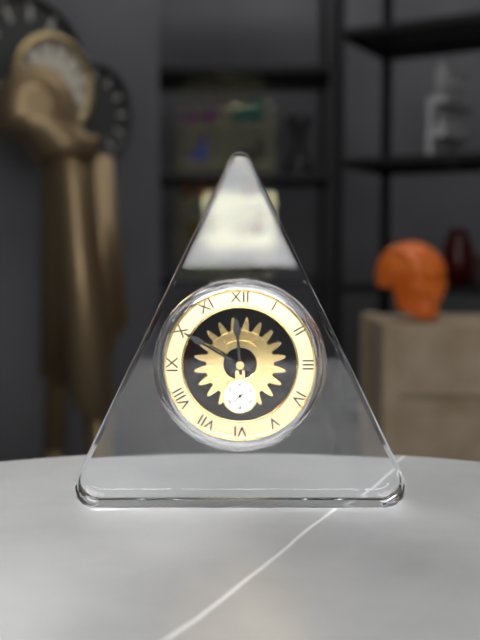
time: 11:50
